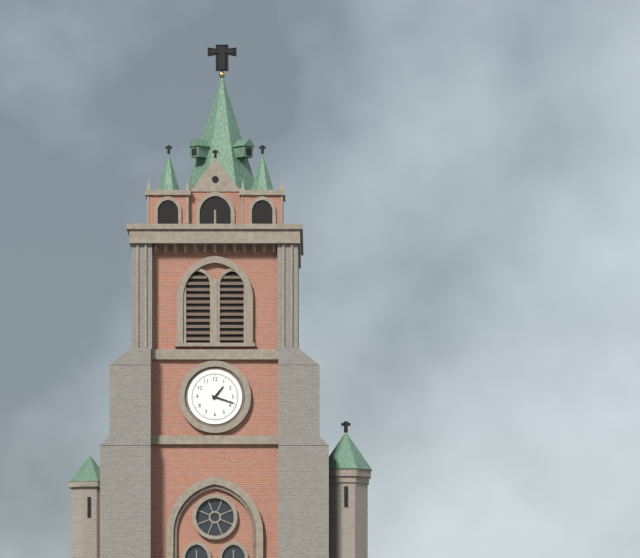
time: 1:18
